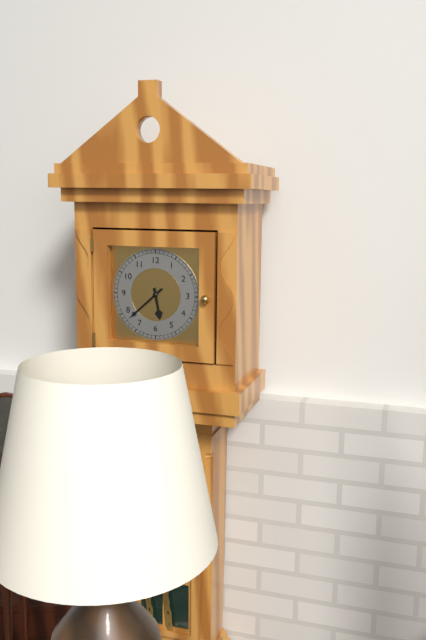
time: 5:38
